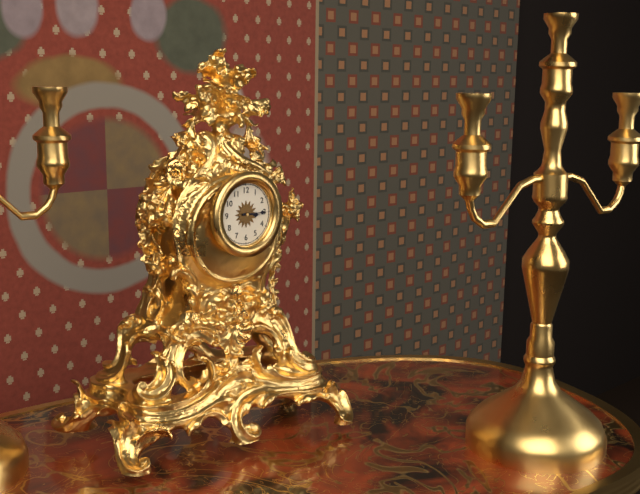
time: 3:15
